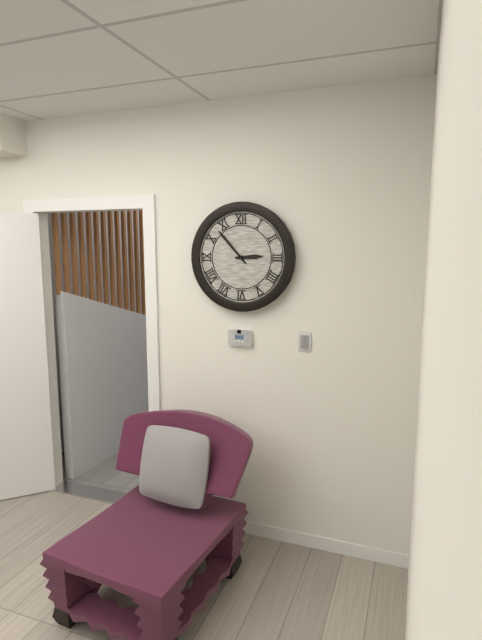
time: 2:53
